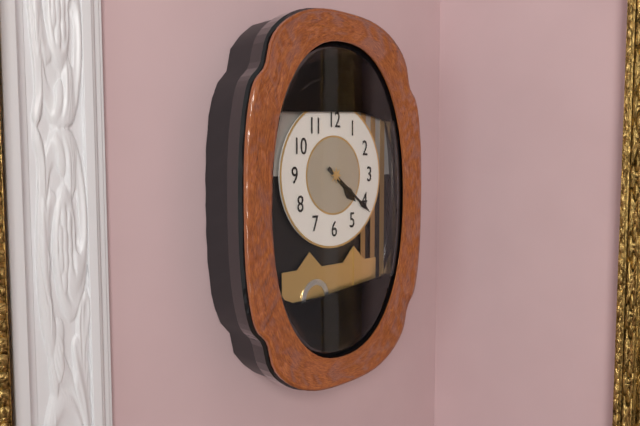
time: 4:21
